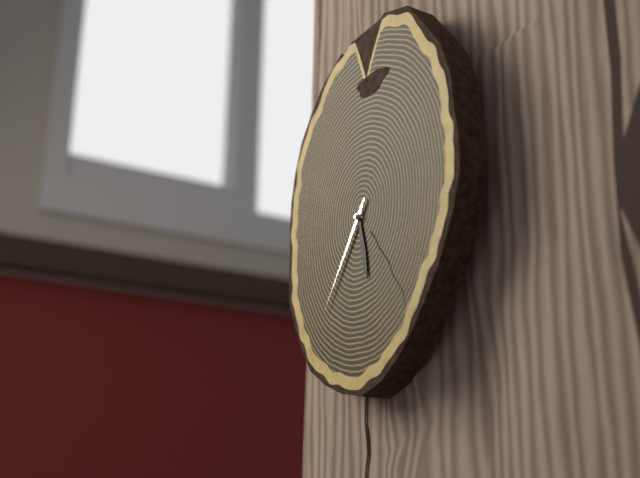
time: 5:36
